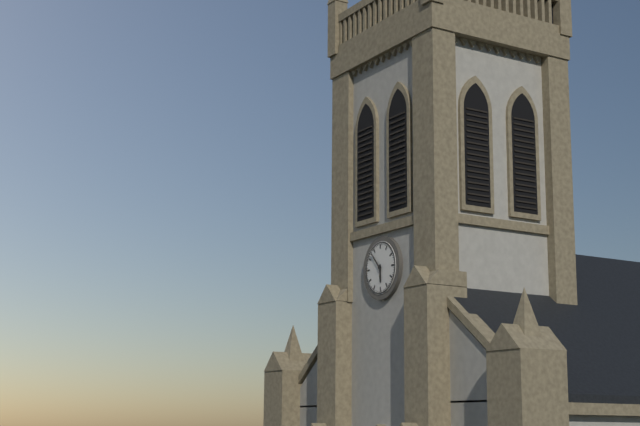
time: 5:53
